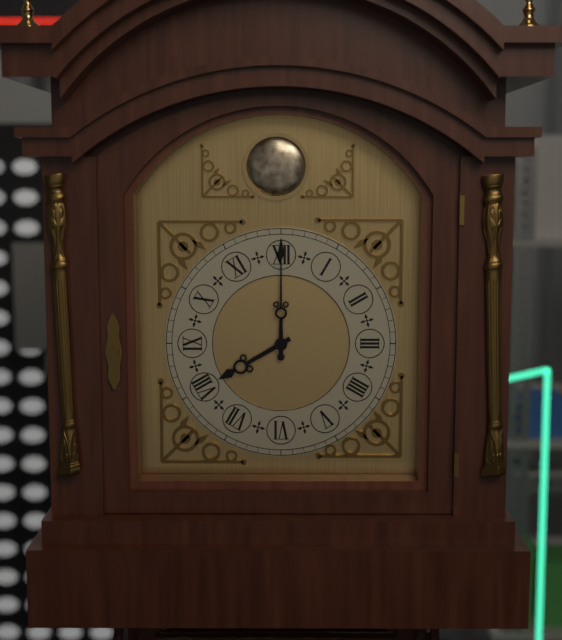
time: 8:00
